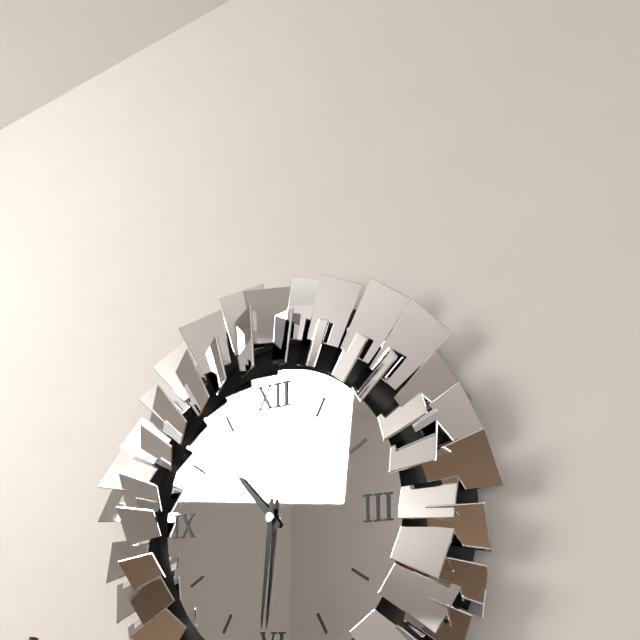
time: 10:31
